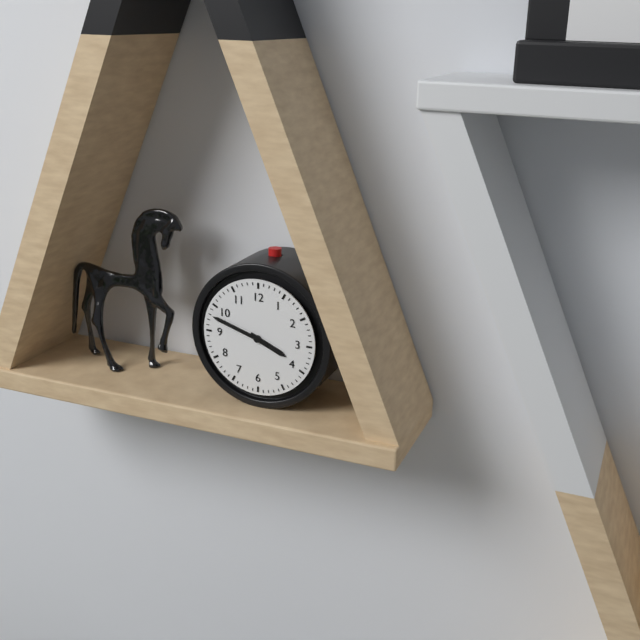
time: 3:48
